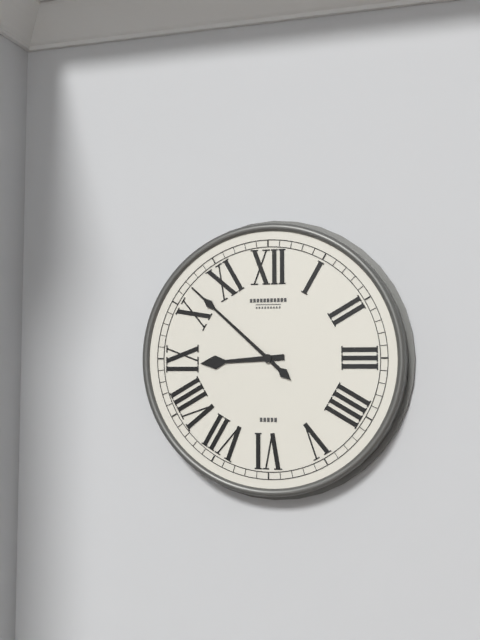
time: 8:52
